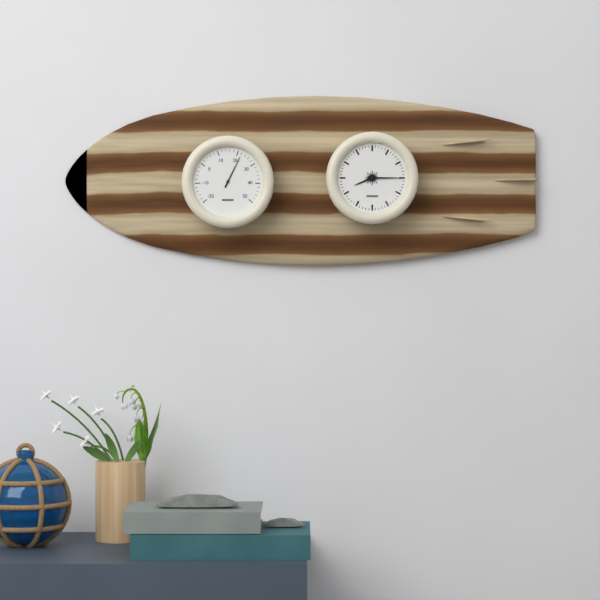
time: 8:15
